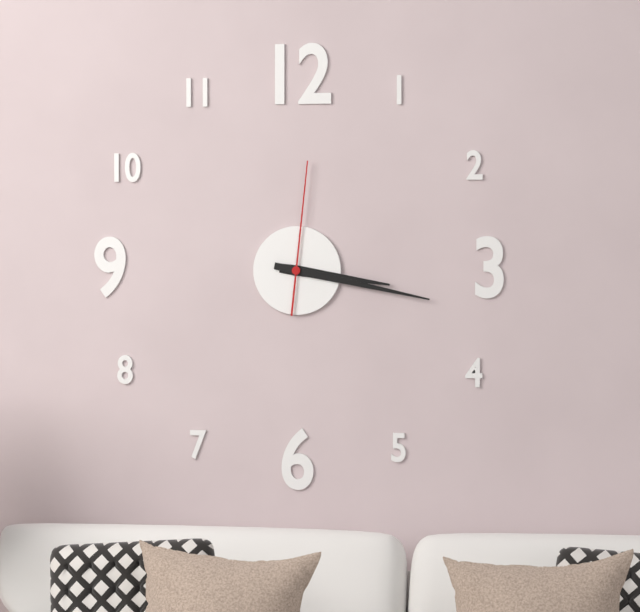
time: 3:17:01
